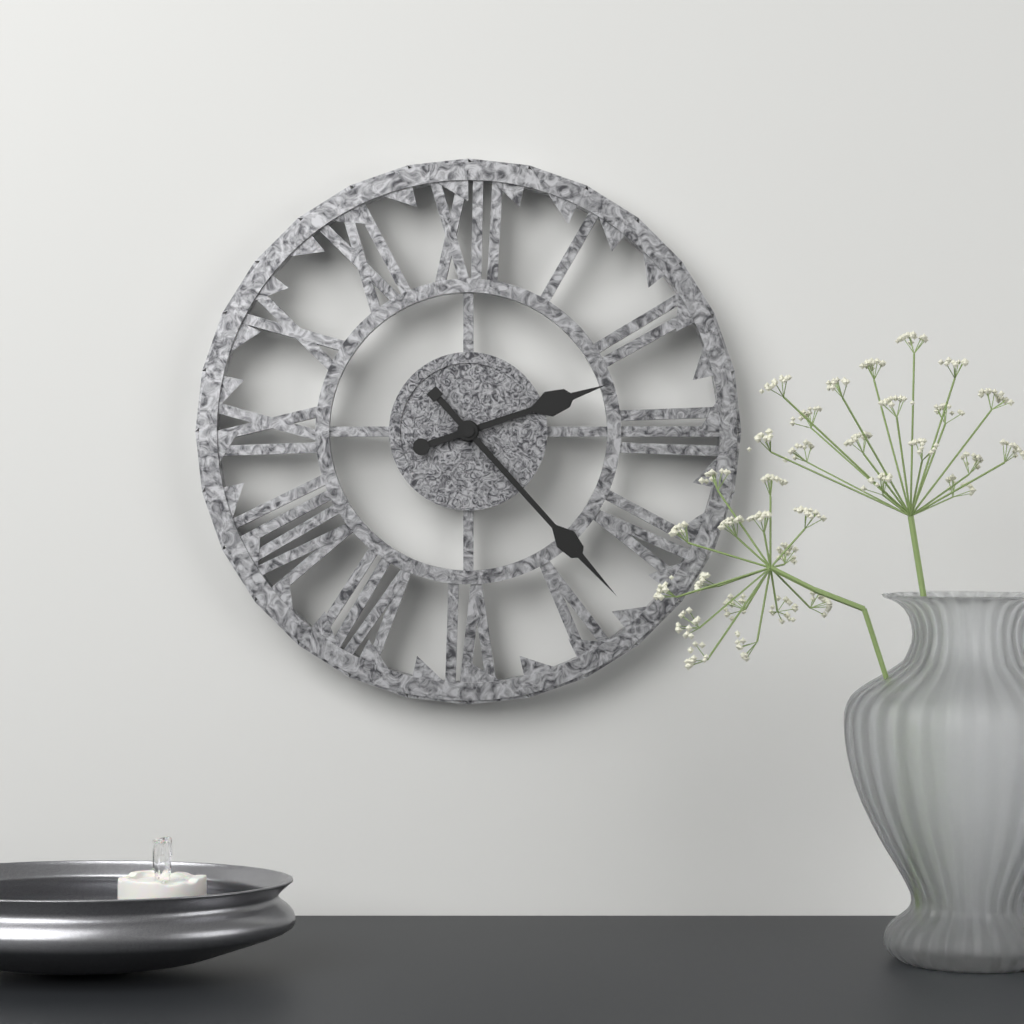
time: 2:23
